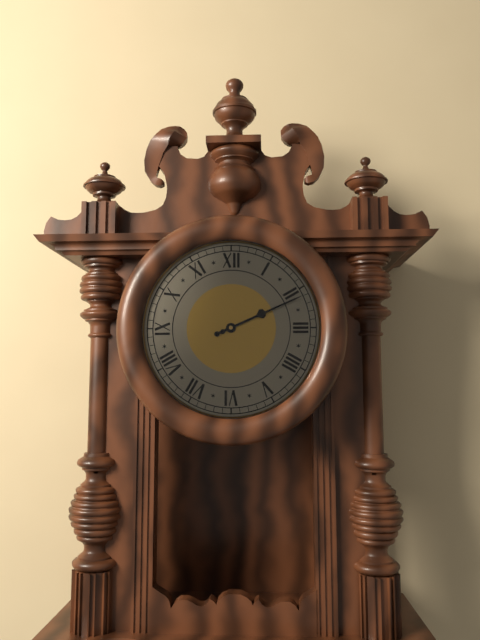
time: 2:11
